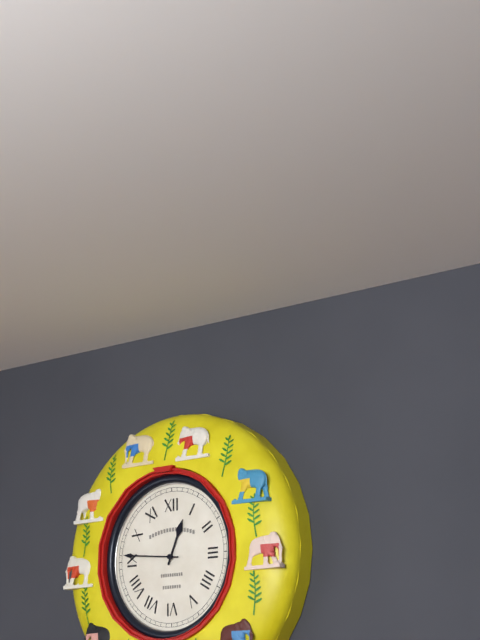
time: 12:46
